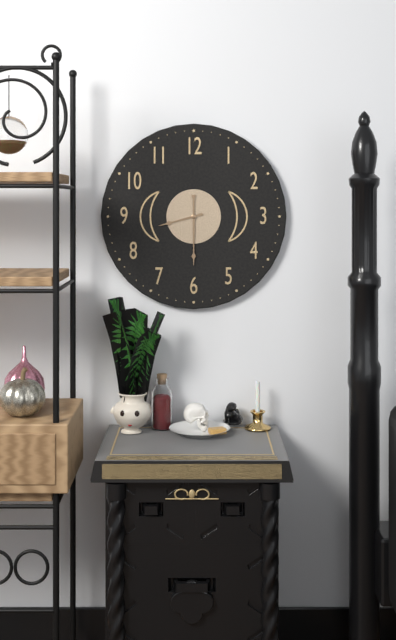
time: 8:30
